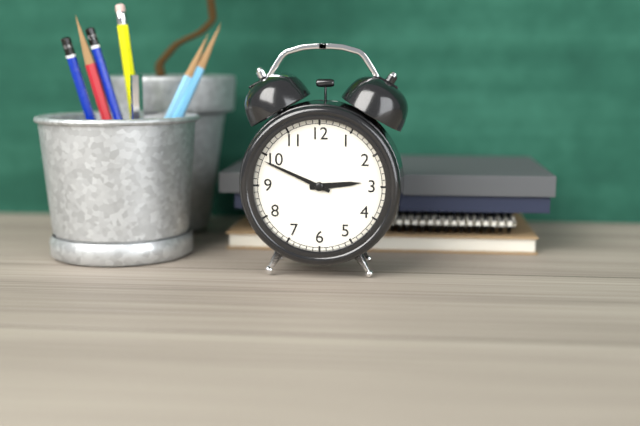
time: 2:49
